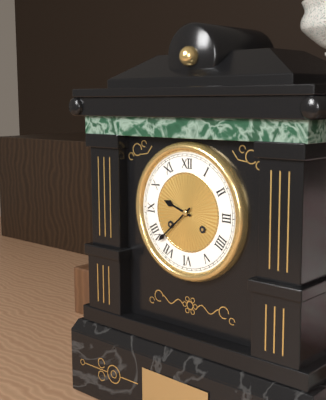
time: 9:38
